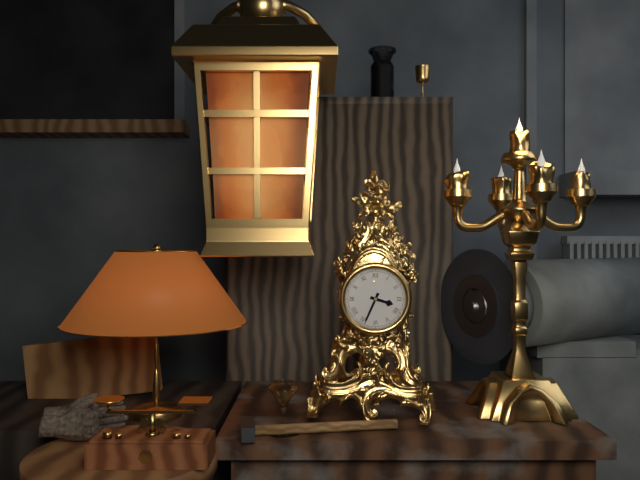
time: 3:34
